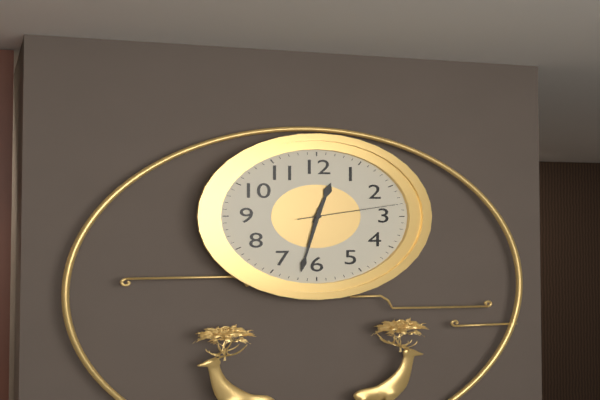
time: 12:32:13
